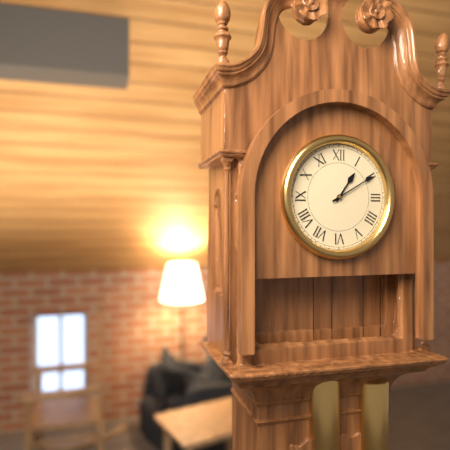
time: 1:10
